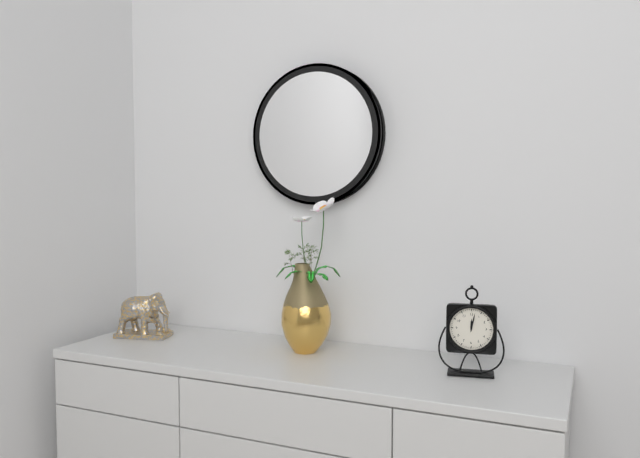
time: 12:02
